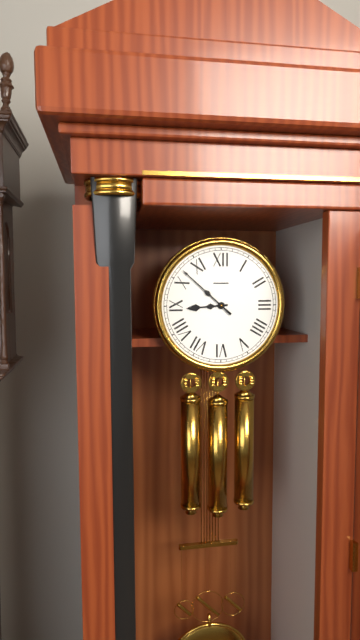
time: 8:52
